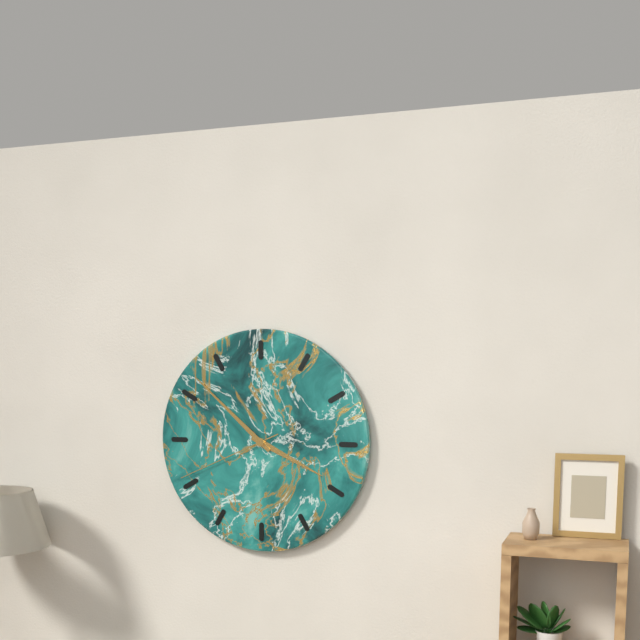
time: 3:52:41
